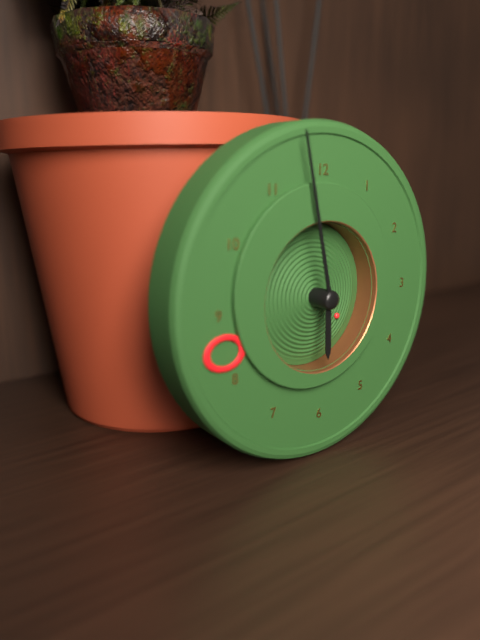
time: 5:58:21
